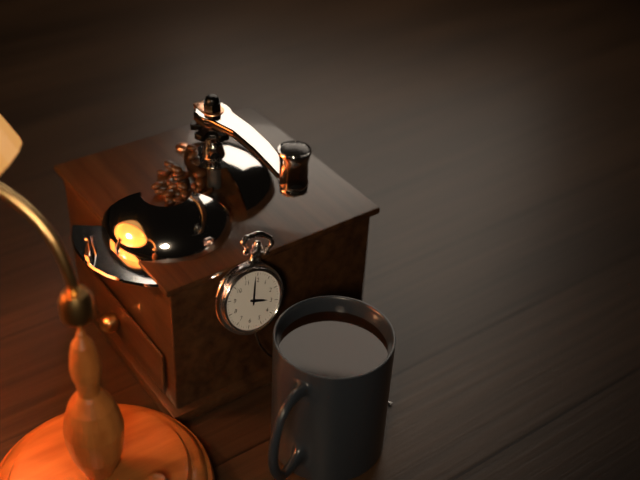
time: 2:59
